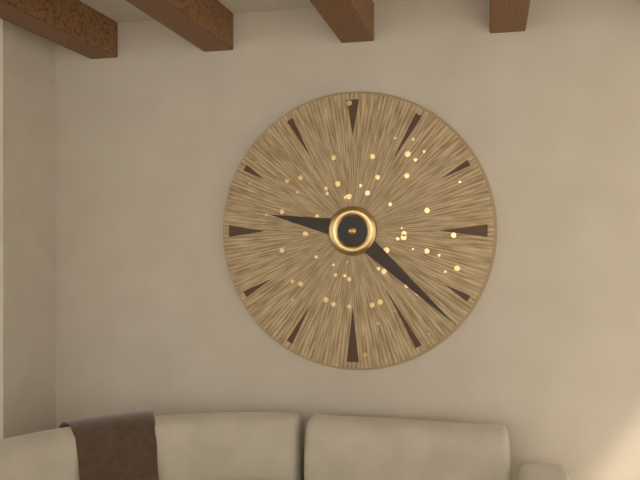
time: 9:22
